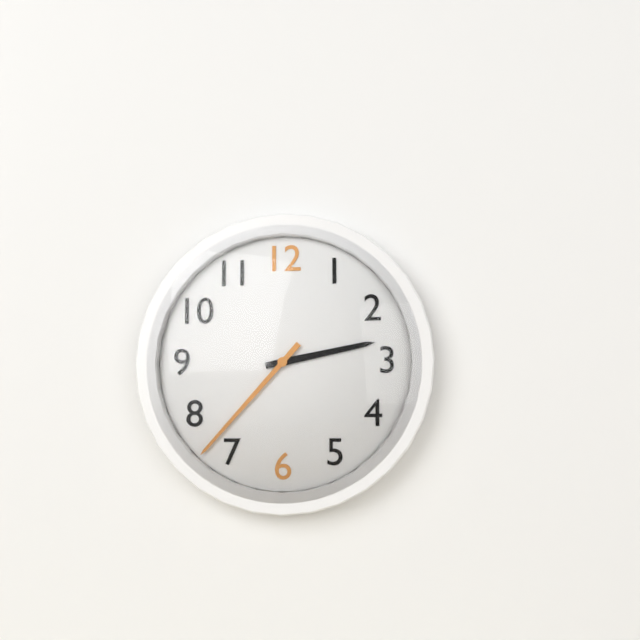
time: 2:37
